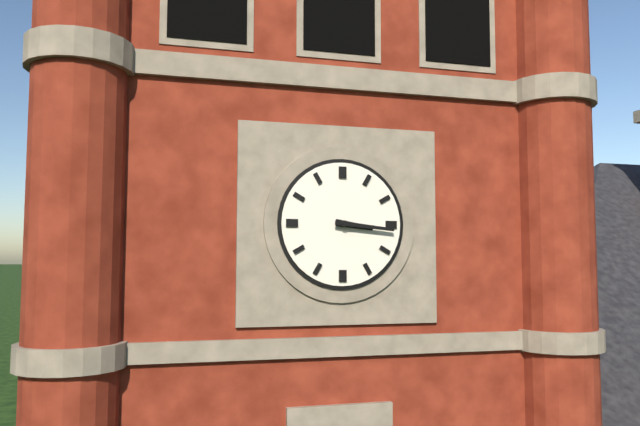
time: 3:16
